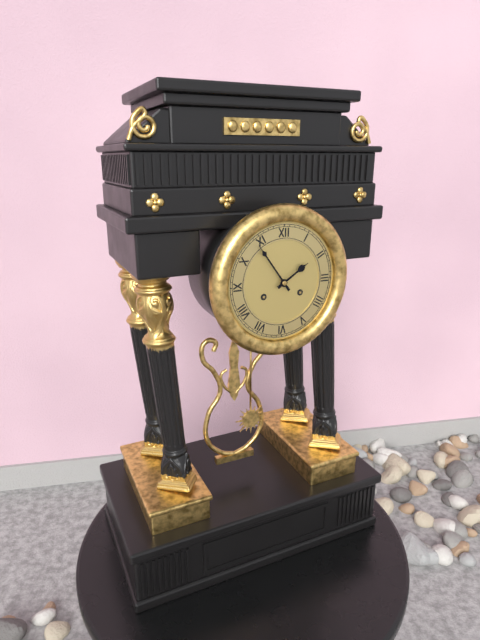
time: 1:54
